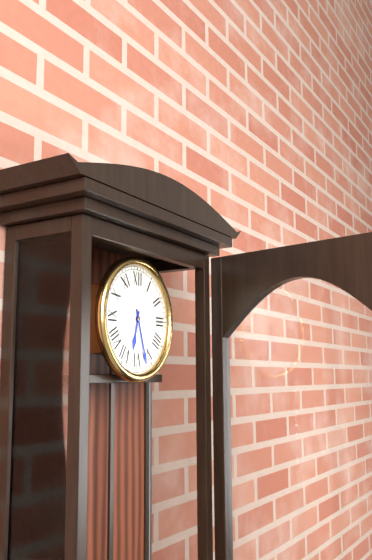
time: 6:27
